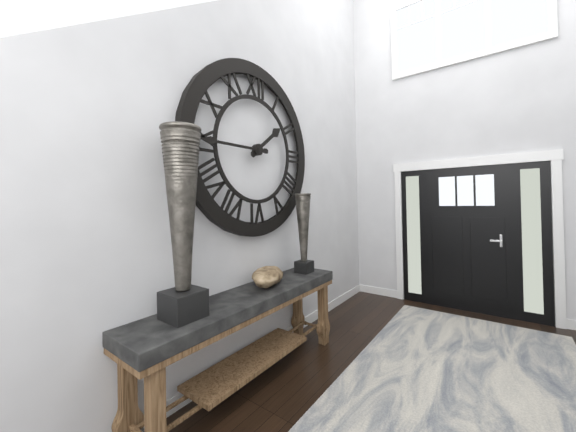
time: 1:45
